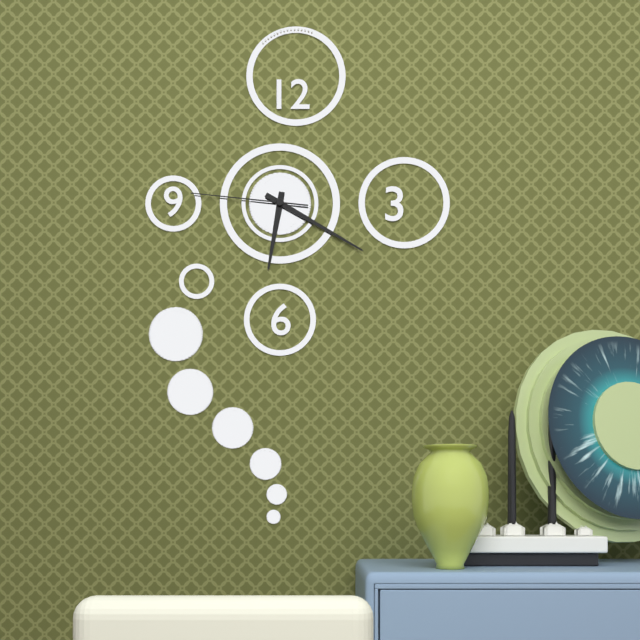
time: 6:20:46
